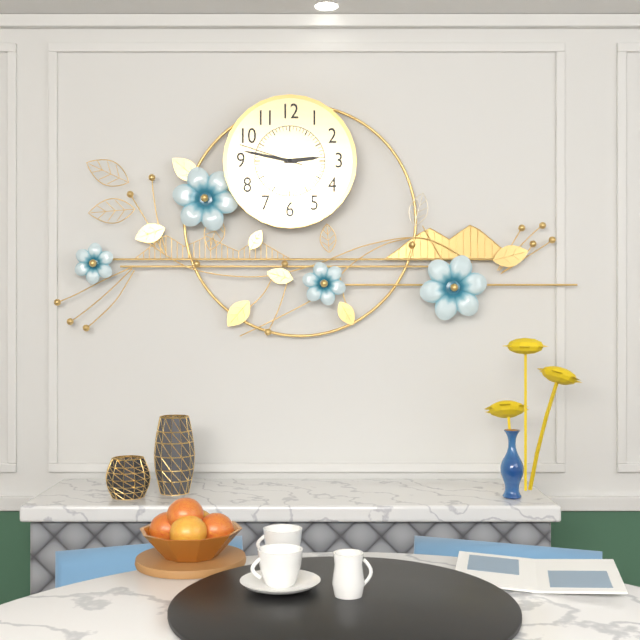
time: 2:47:48
